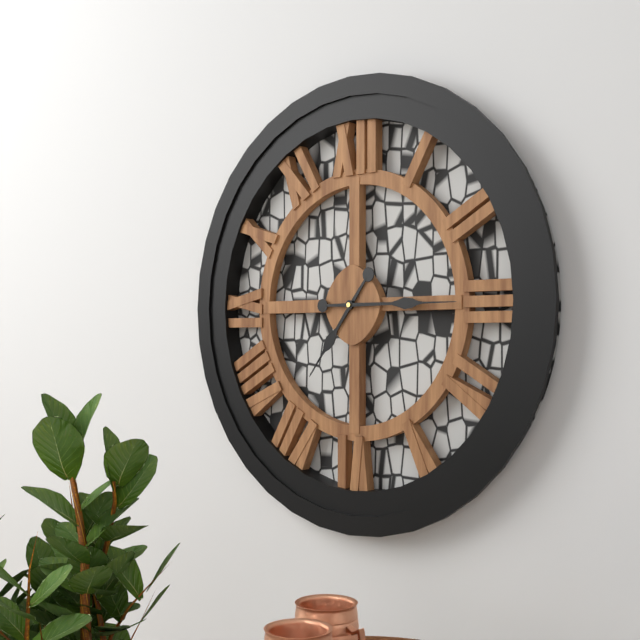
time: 7:15
